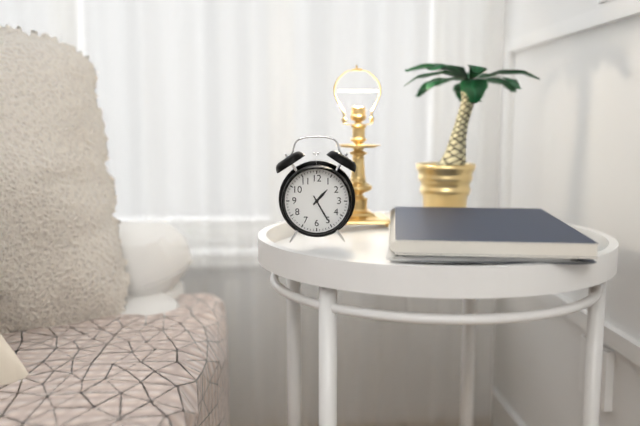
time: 1:25
